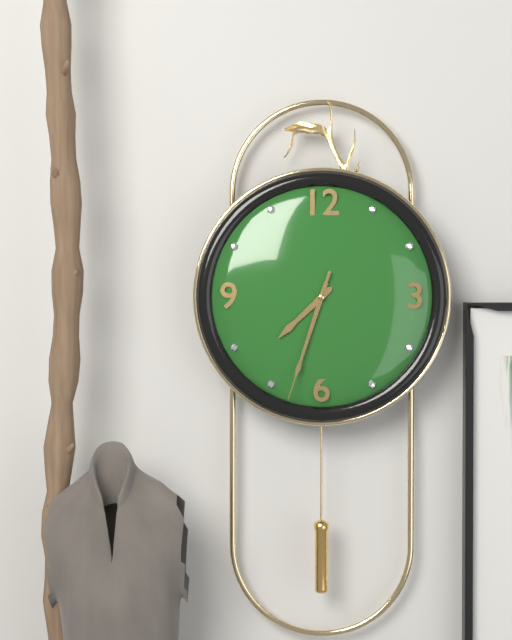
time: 7:33:33
